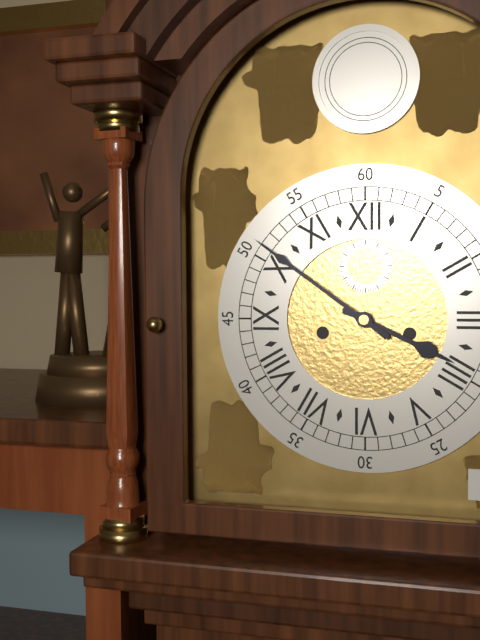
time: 3:51
